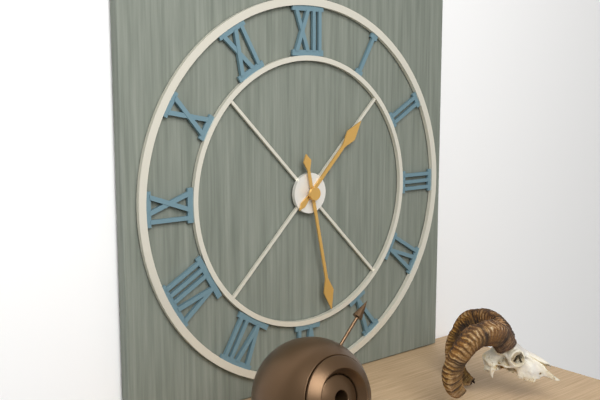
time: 1:28
